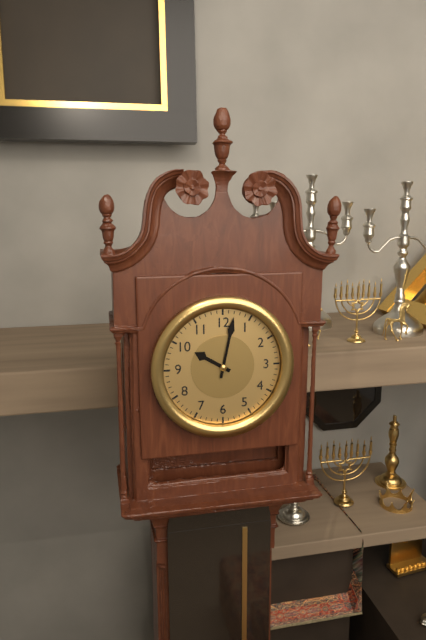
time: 10:02
